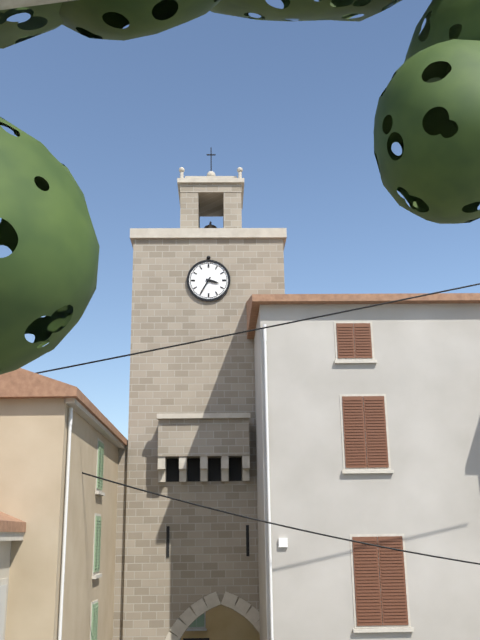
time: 3:35
